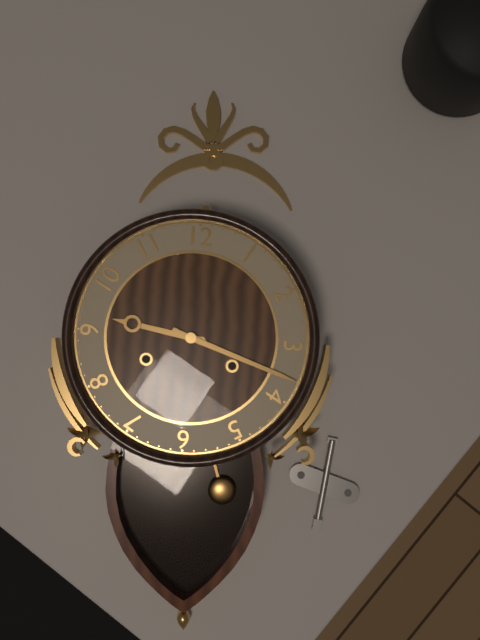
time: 9:18
